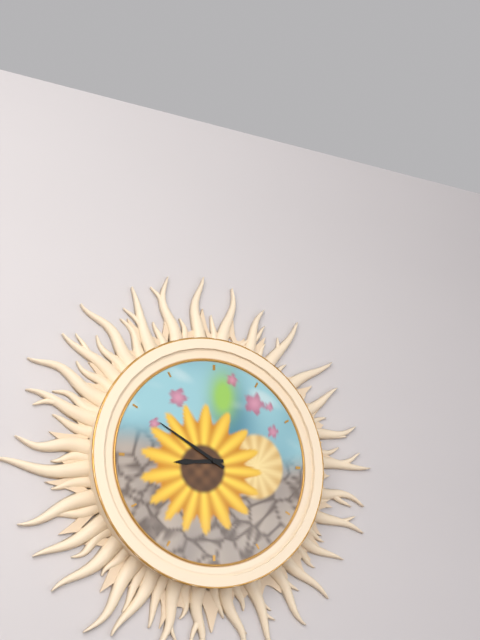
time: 8:50
